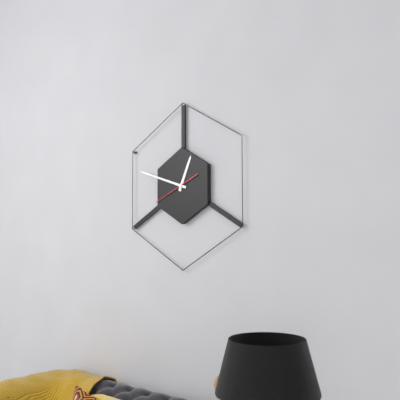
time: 12:48
